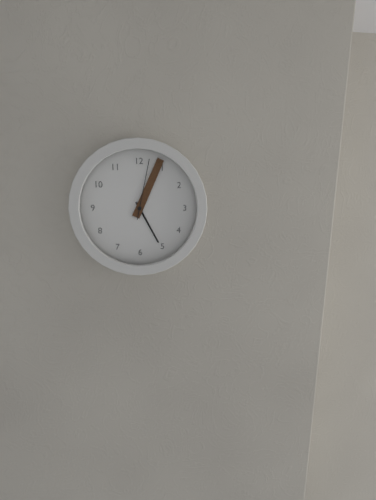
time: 5:04:02
